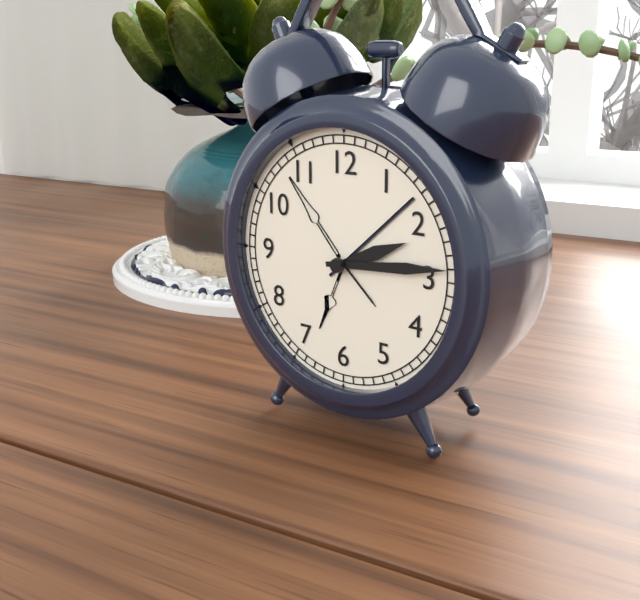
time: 2:14
